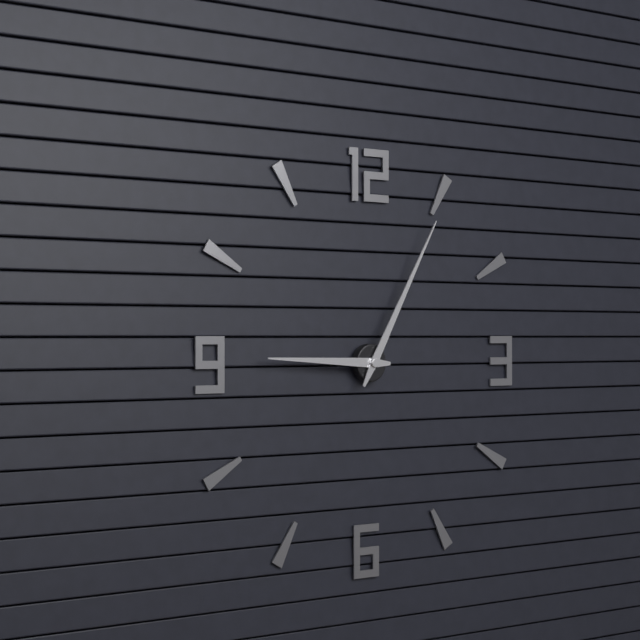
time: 9:05
